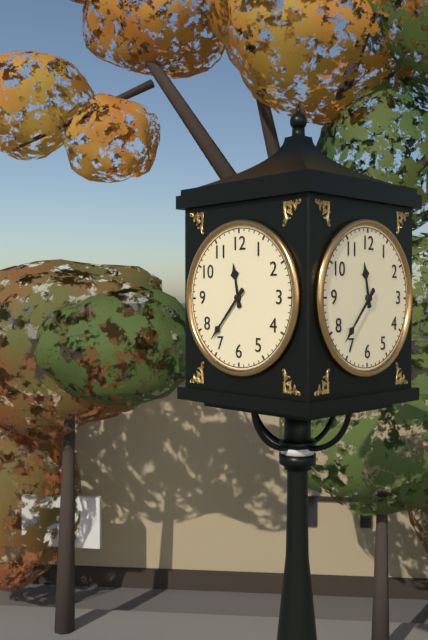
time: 11:37
